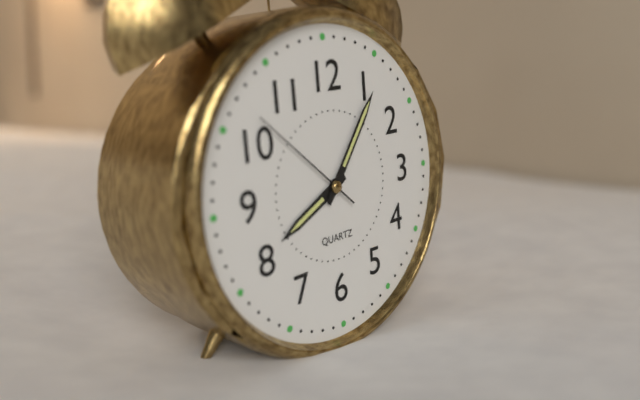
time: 8:06:52
